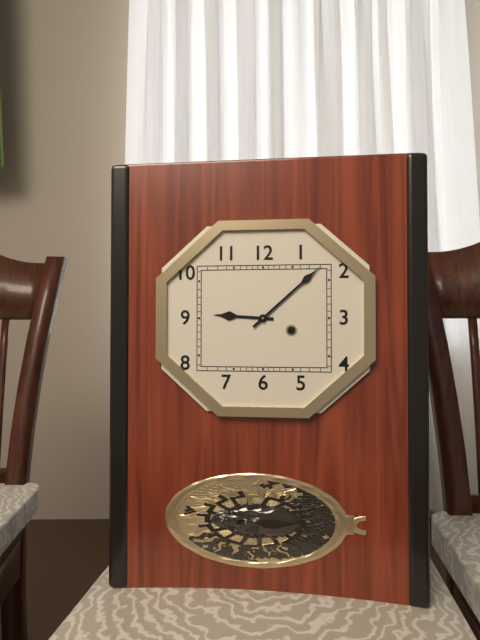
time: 9:08
